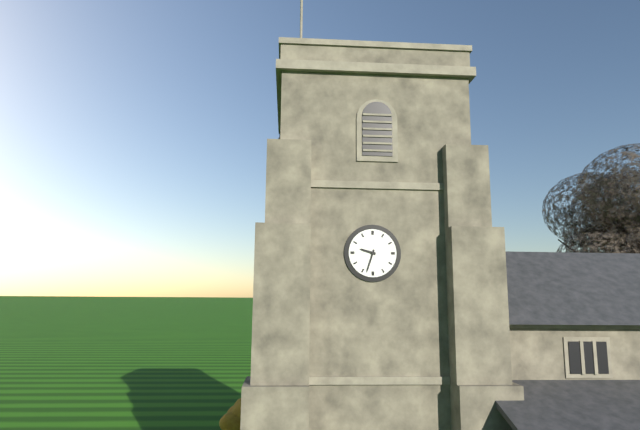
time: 9:33
